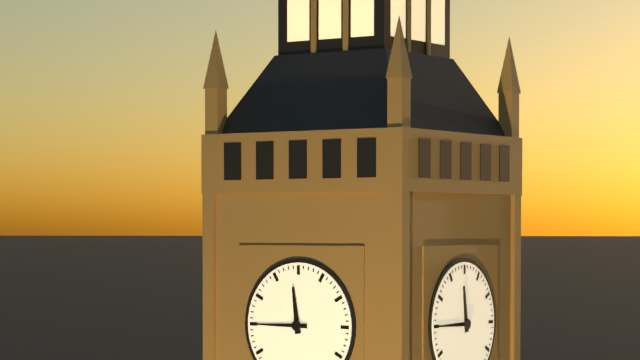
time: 11:45
